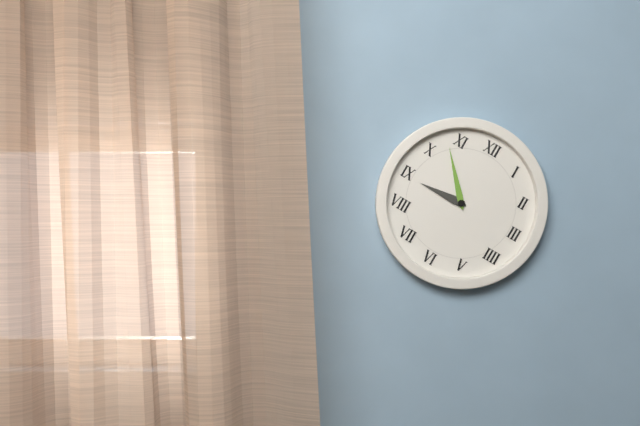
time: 8:53
